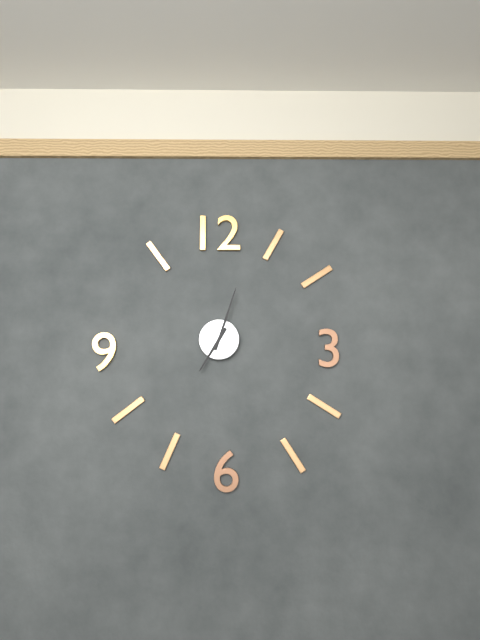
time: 7:03
